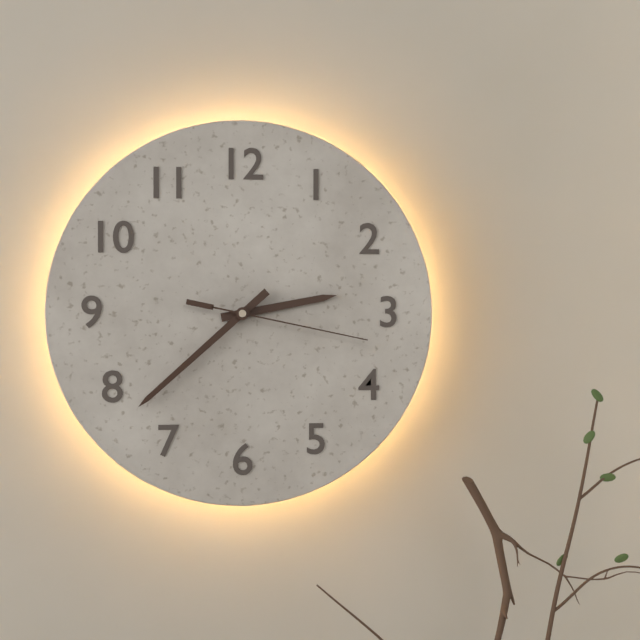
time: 2:38:17
